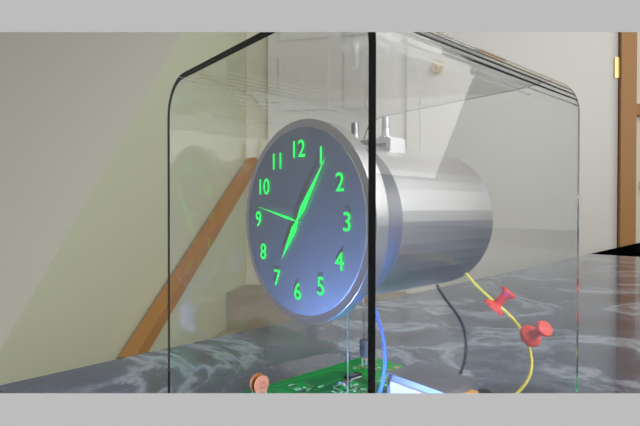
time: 7:06:47
